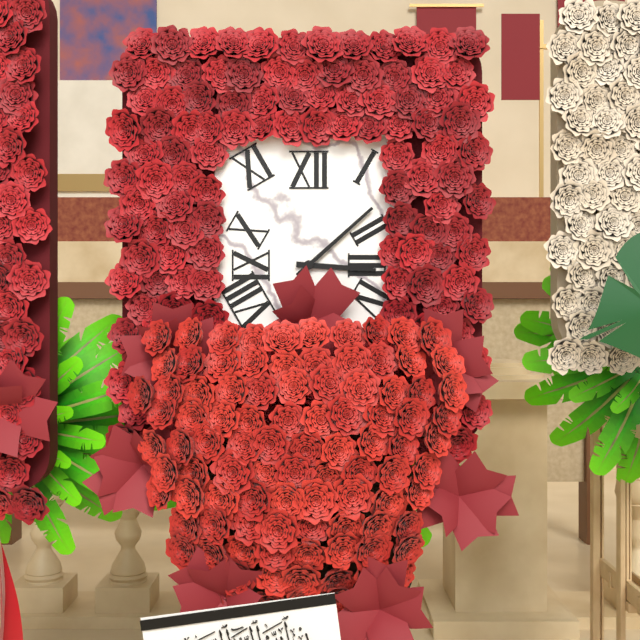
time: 3:08
